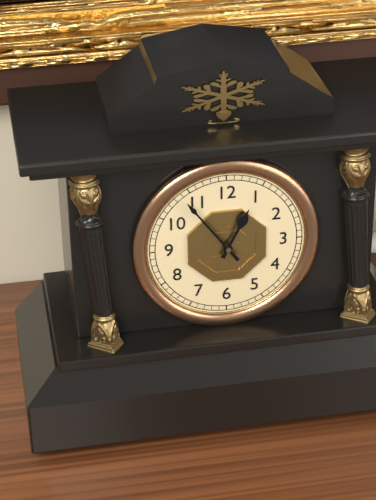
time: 12:54
